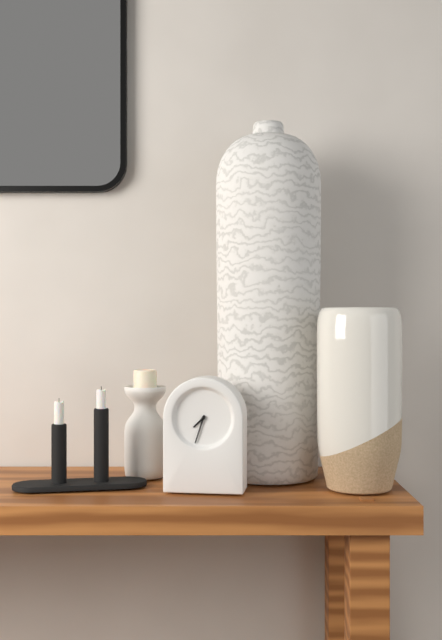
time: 7:33
